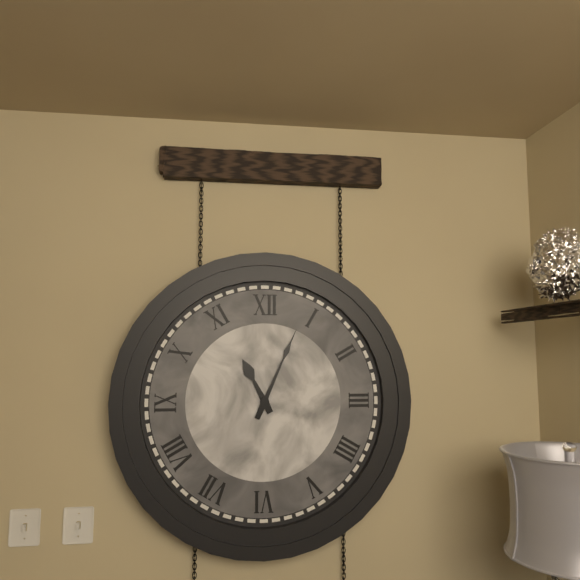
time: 11:04
